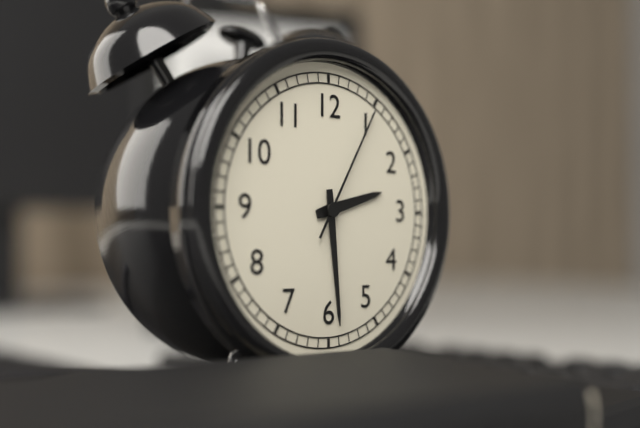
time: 2:29:05
